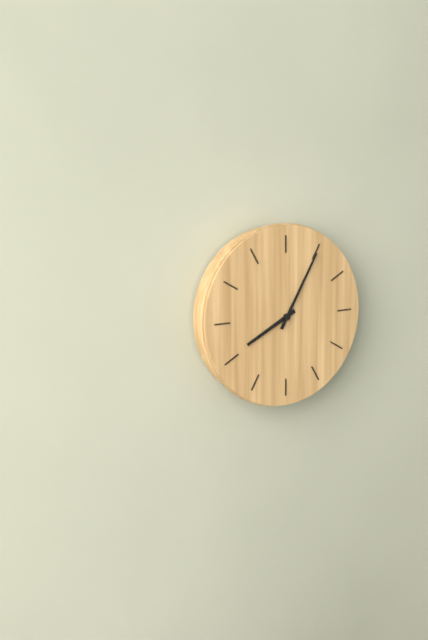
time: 8:05
